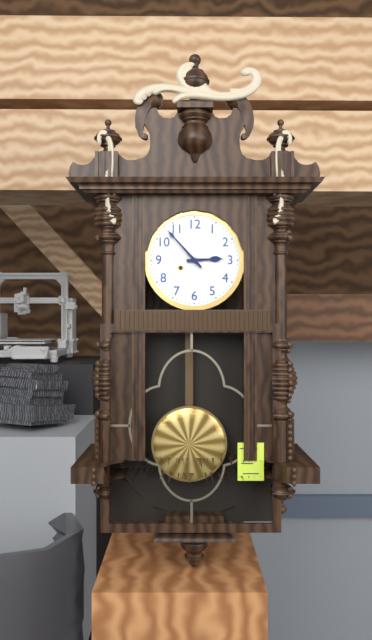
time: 2:53
